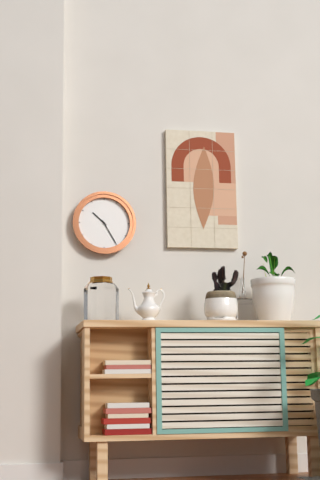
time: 10:25
